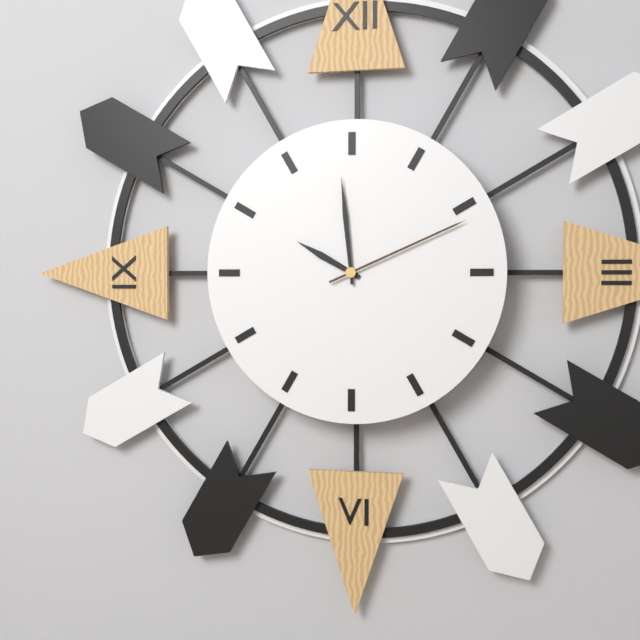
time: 9:59:11
